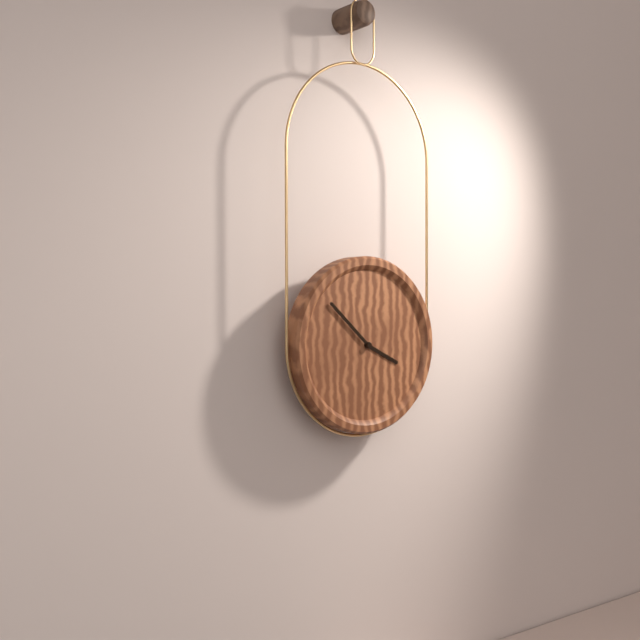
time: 3:52
